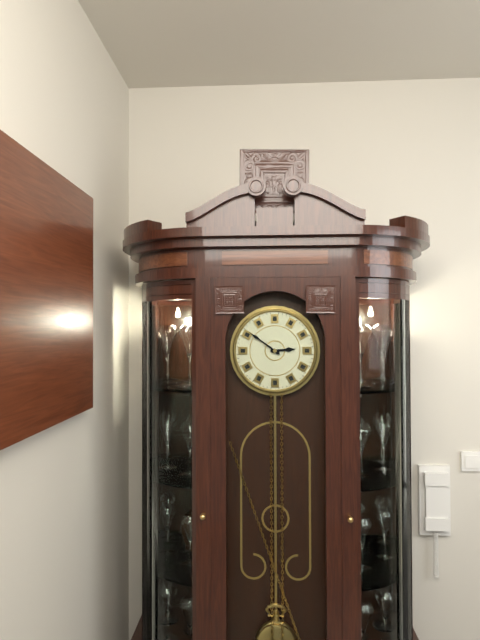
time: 2:51
